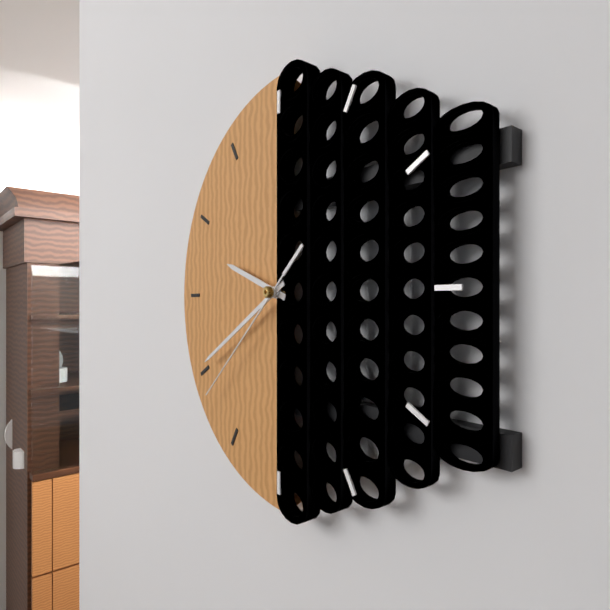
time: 9:40:38
